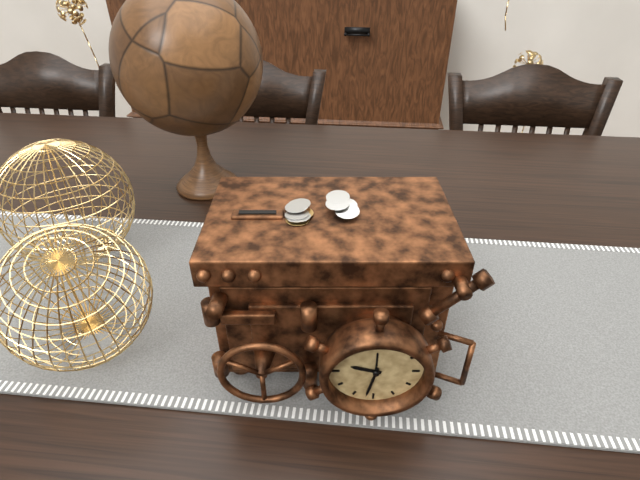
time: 9:32
